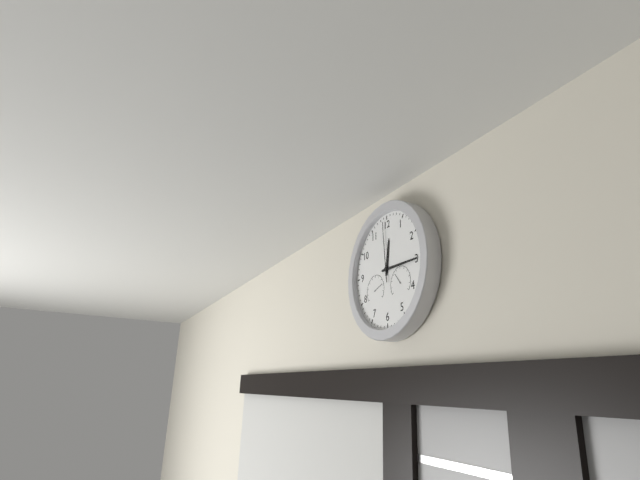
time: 12:15:59
